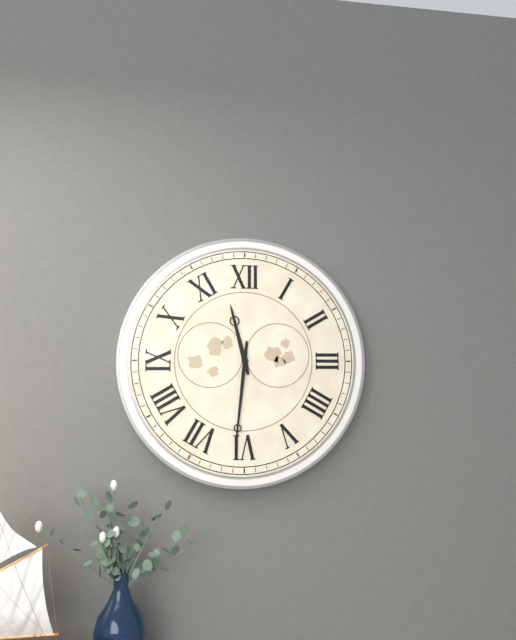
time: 11:31
